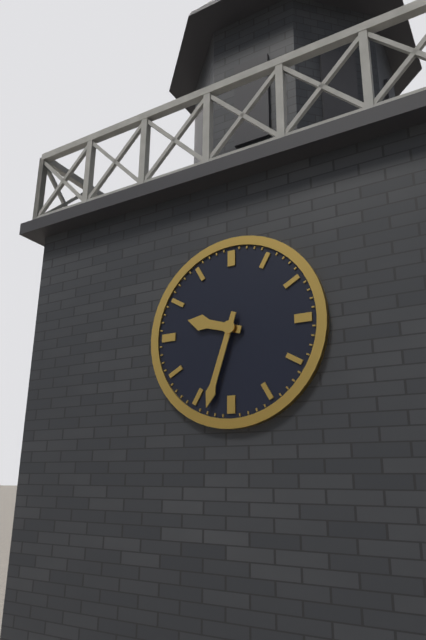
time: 9:33
